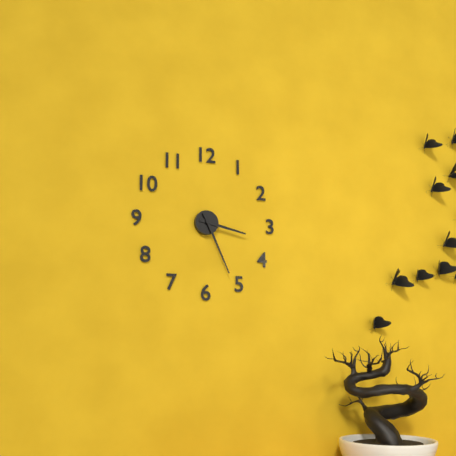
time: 3:26
